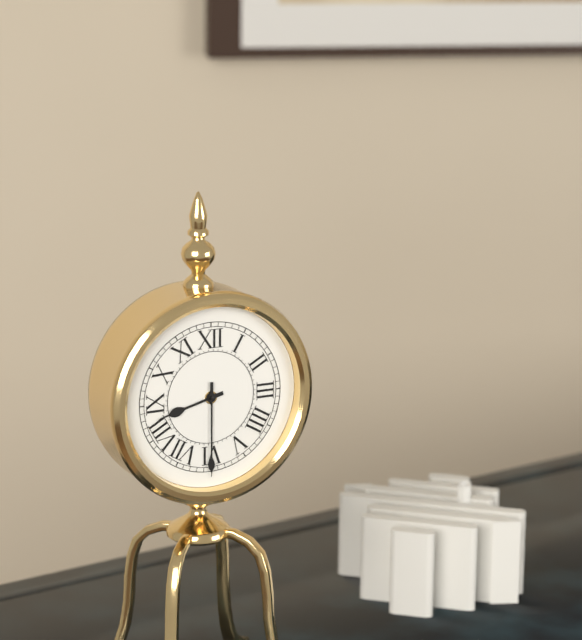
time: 8:30
